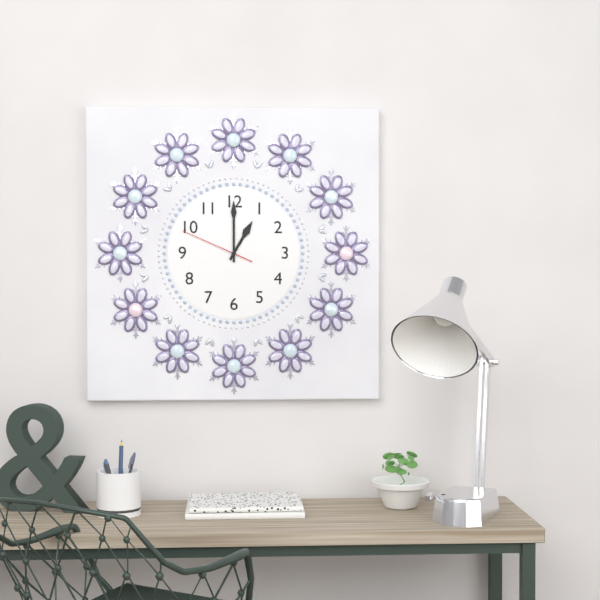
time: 1:00:49
